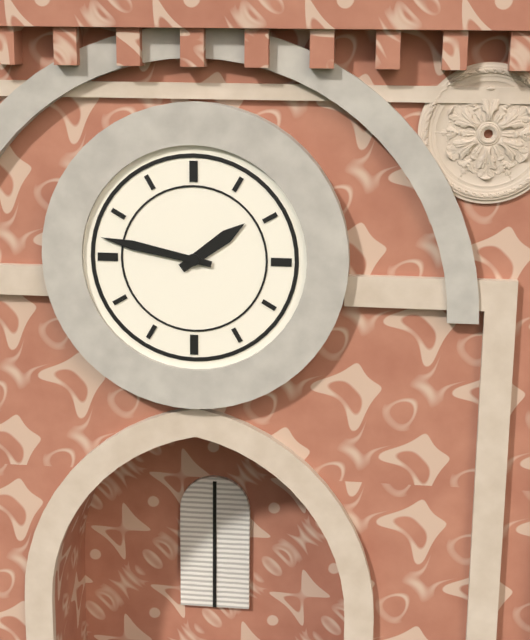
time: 1:47
